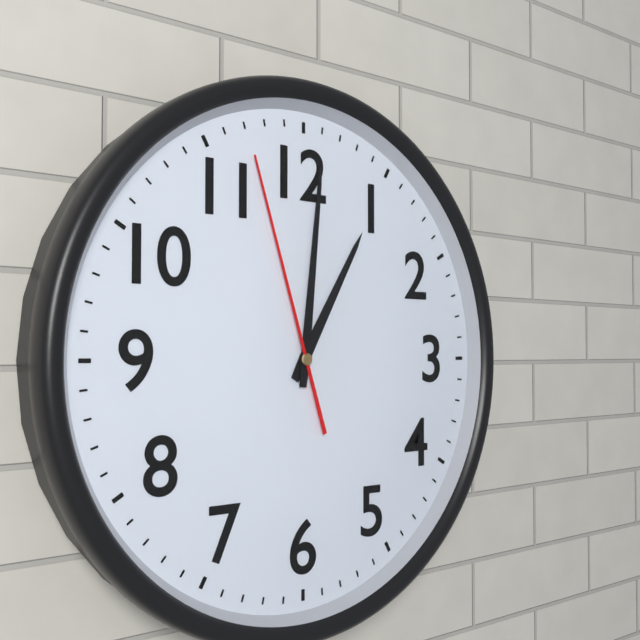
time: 1:01:57
